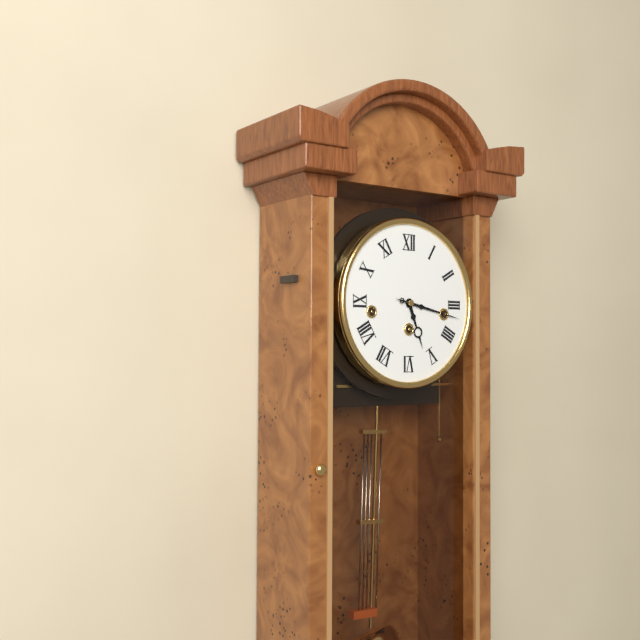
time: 5:17
